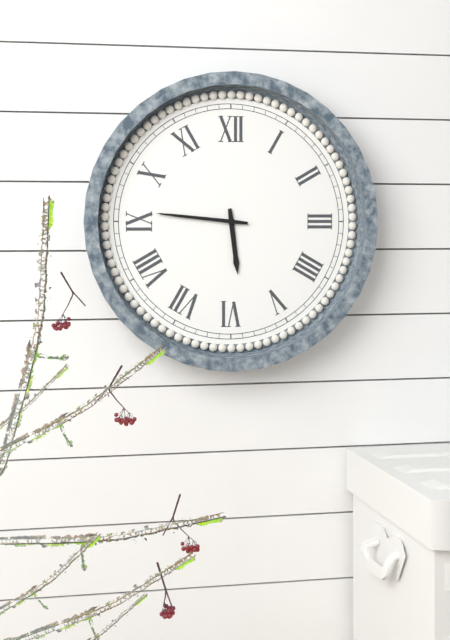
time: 5:46
